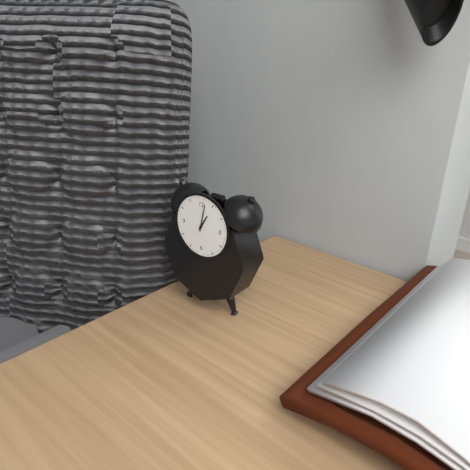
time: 1:02
